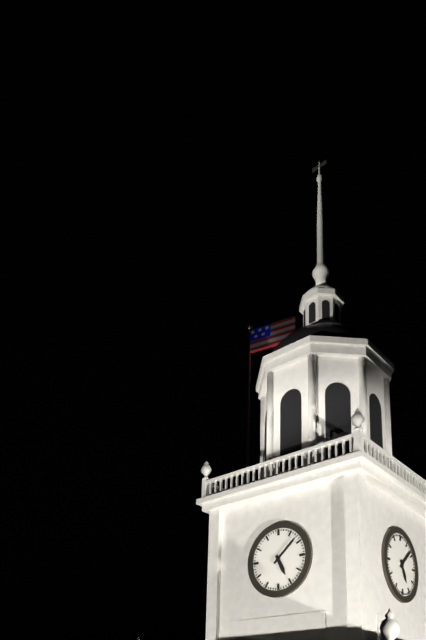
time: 5:08
